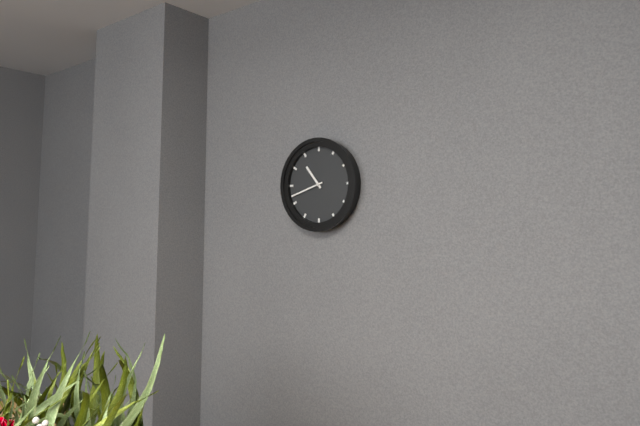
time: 10:42
